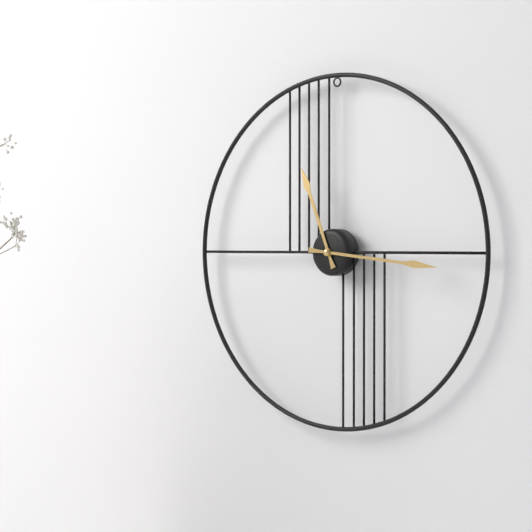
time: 11:16
